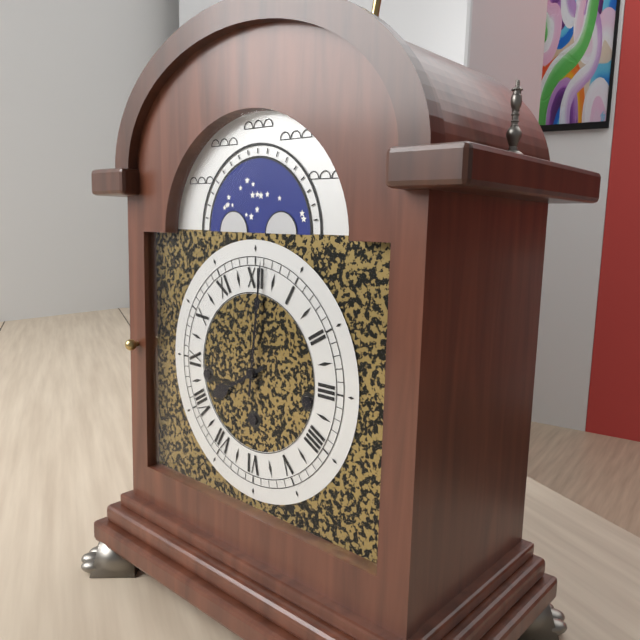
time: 8:01
